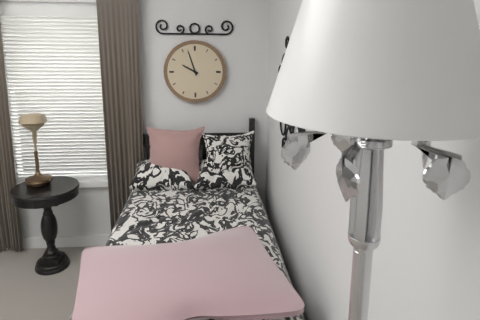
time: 9:57
